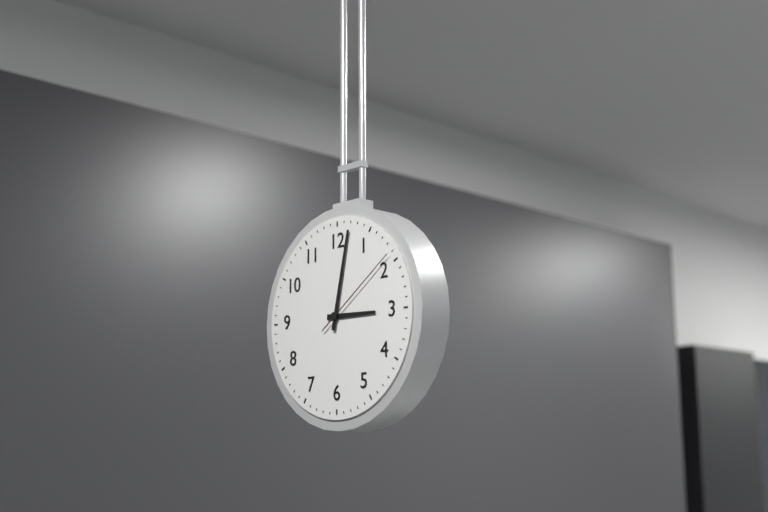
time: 3:02:09
